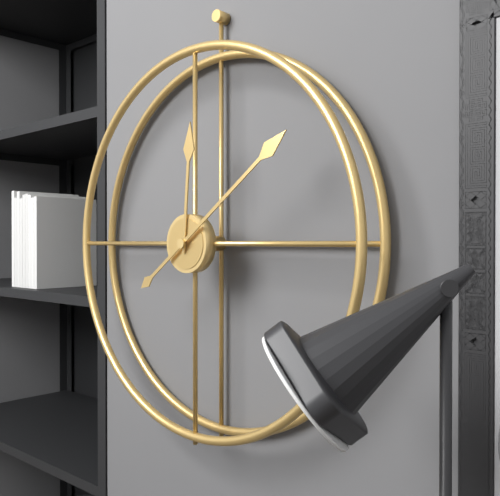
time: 12:09
